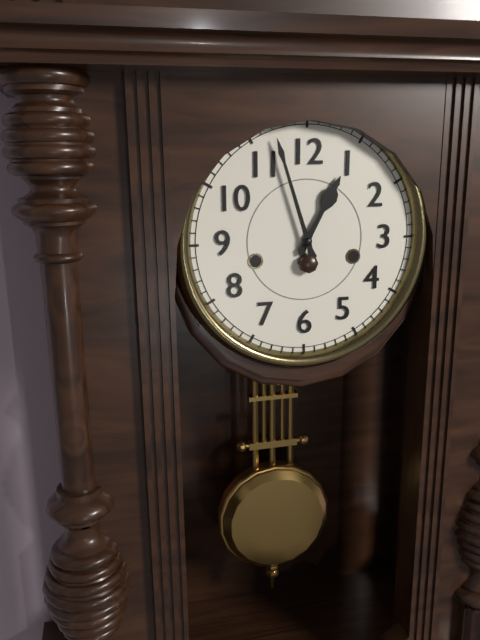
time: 12:57
